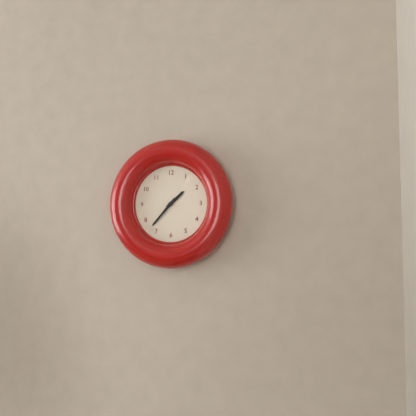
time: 1:37
